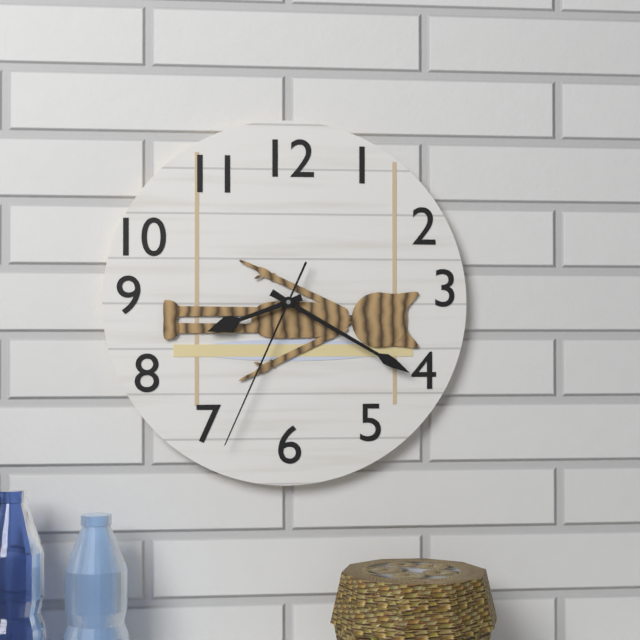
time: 8:20:34
